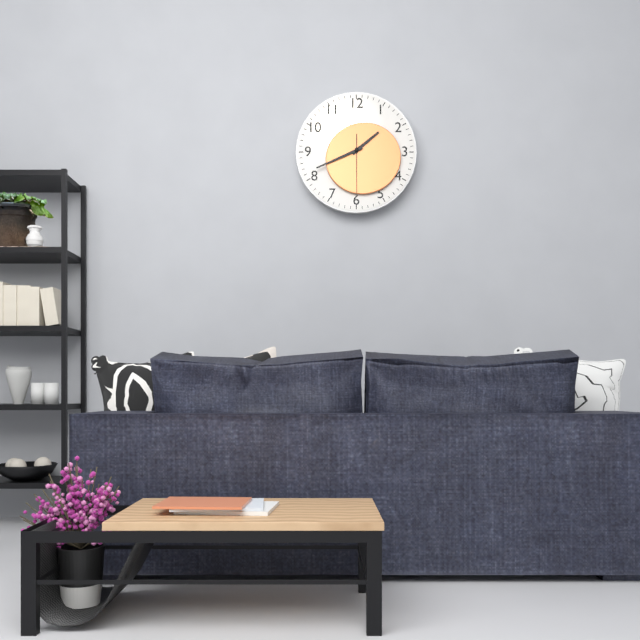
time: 1:41:30
